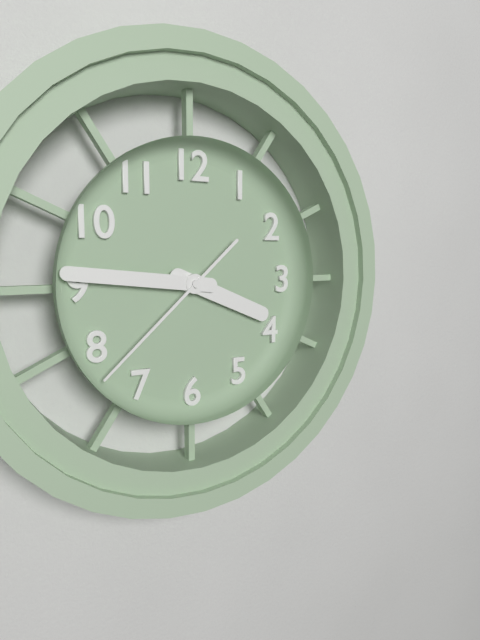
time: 3:46:38
